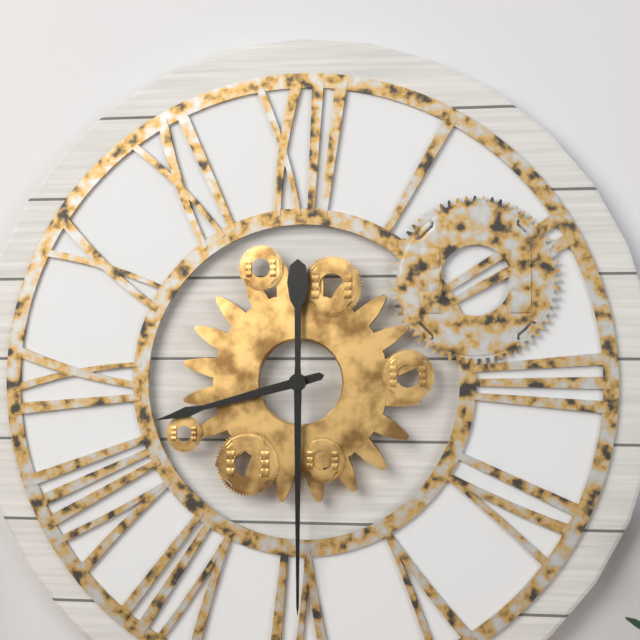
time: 8:30
